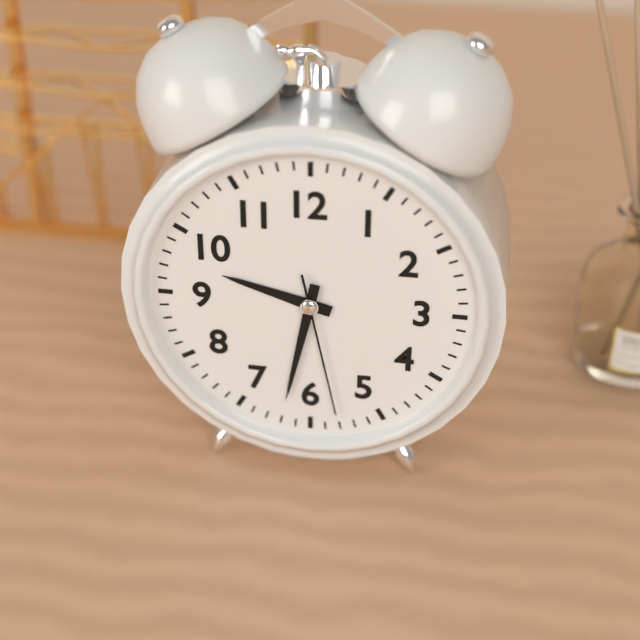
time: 9:32:28
